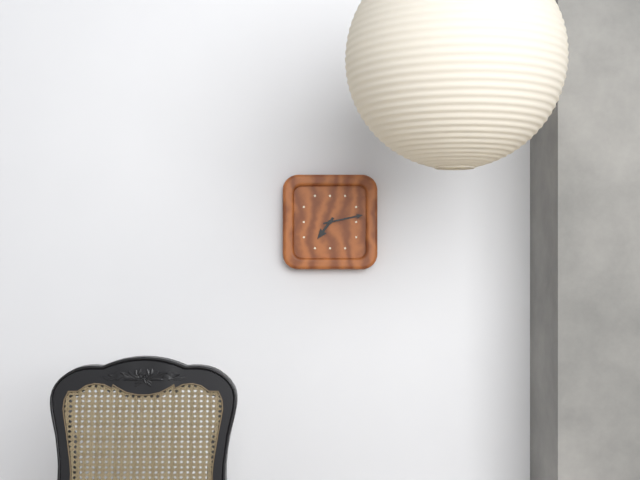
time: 7:13
